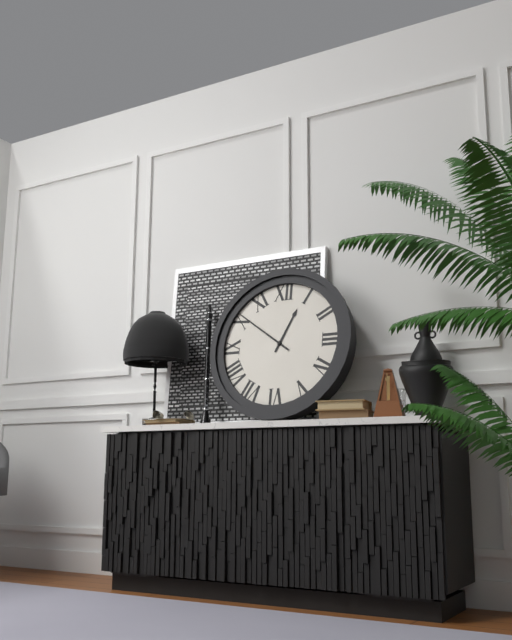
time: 12:51
